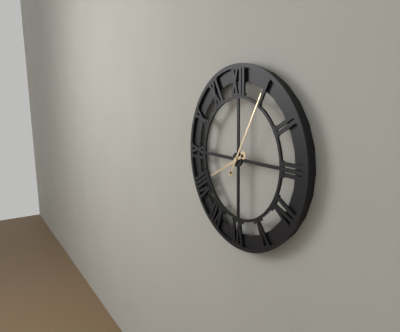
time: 8:05
